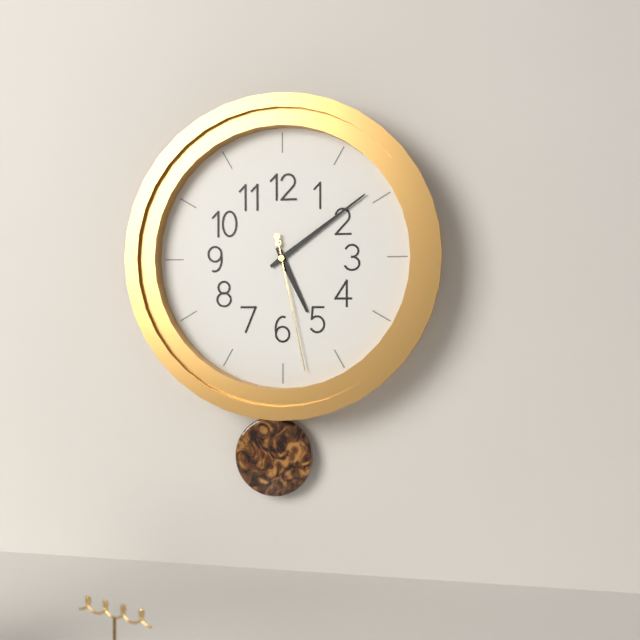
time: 5:09:28
